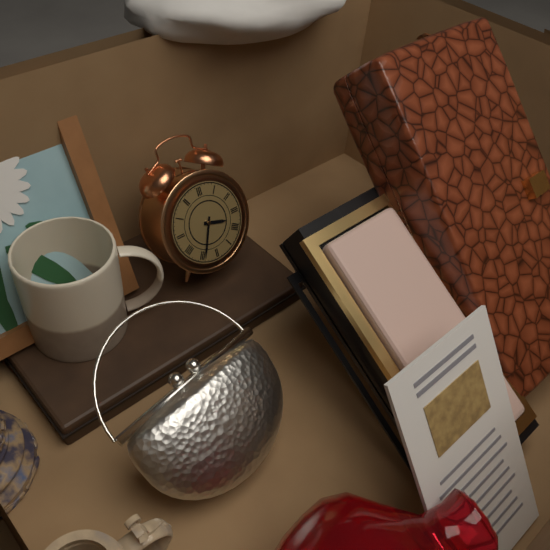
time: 3:34
